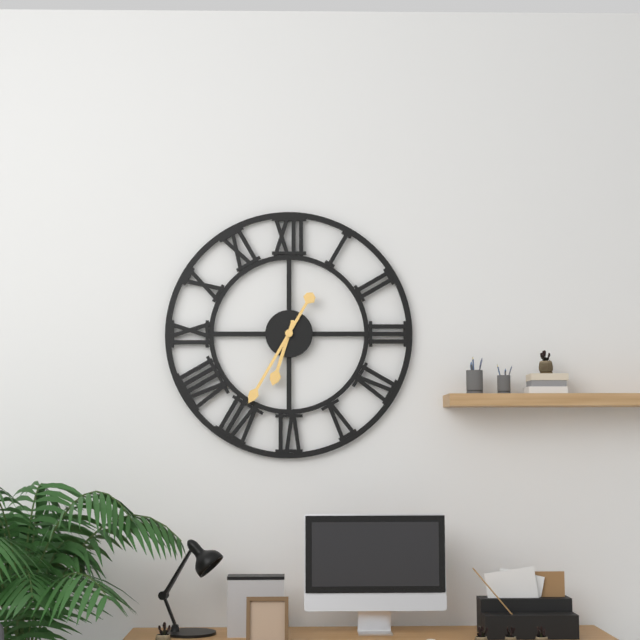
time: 6:35
